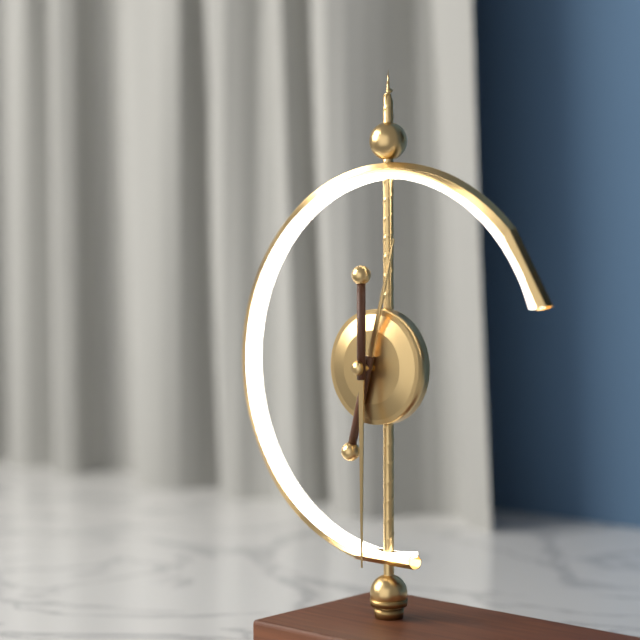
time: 12:30
